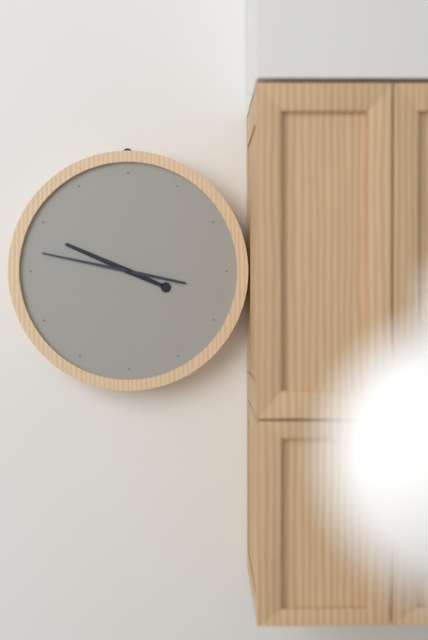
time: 9:47
